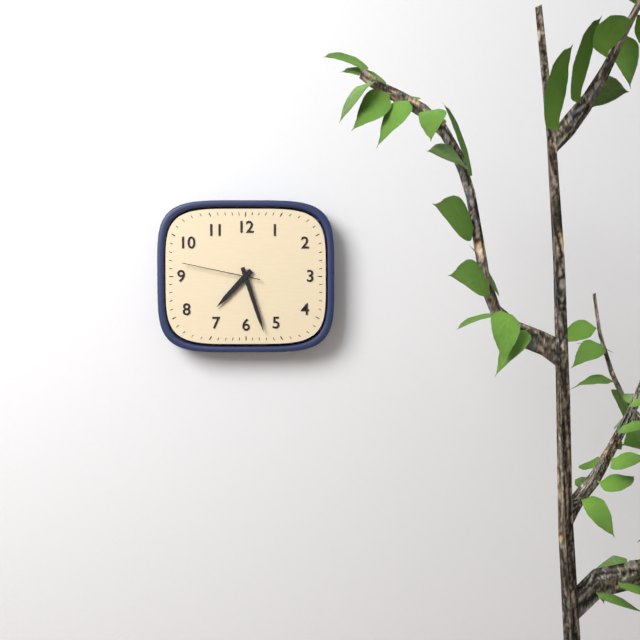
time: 7:27:47
